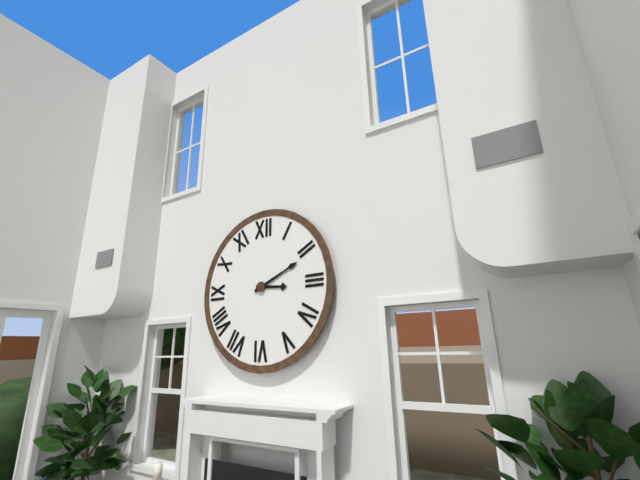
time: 3:11
